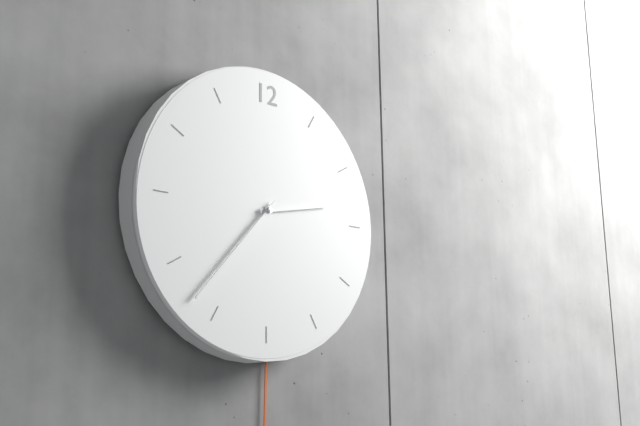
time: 2:37
